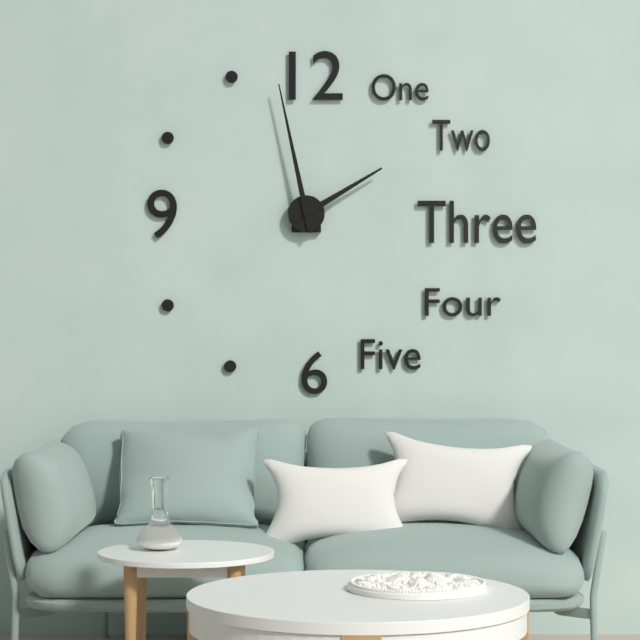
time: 1:58
